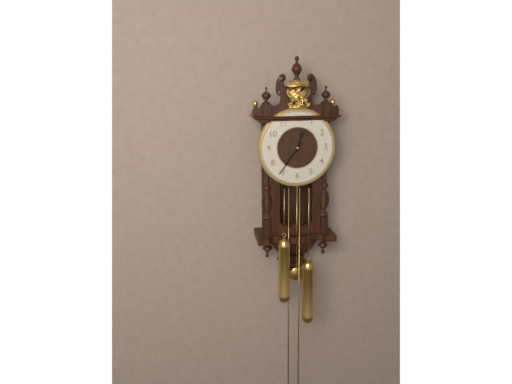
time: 12:36
